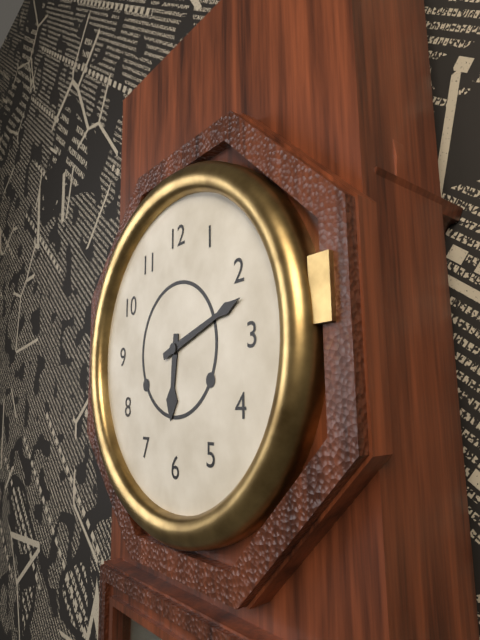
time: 6:12
